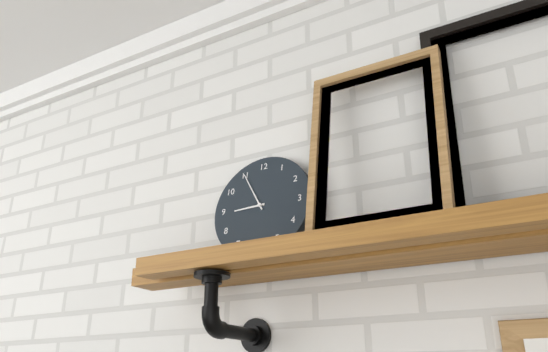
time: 8:55
